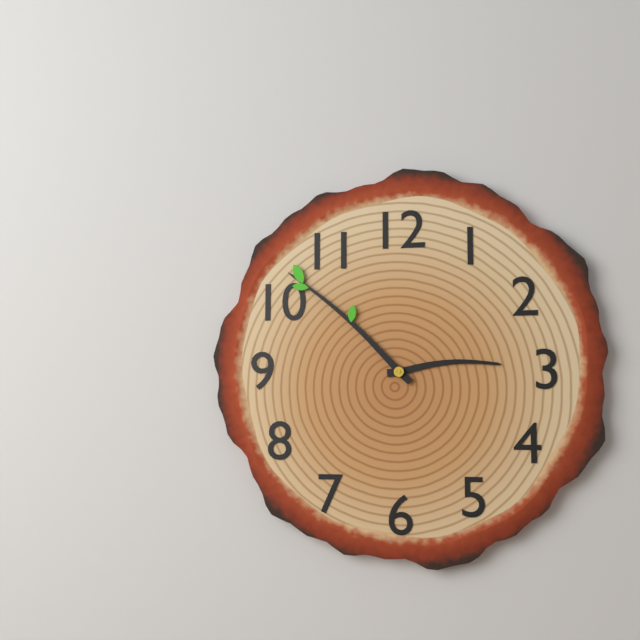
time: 2:52
